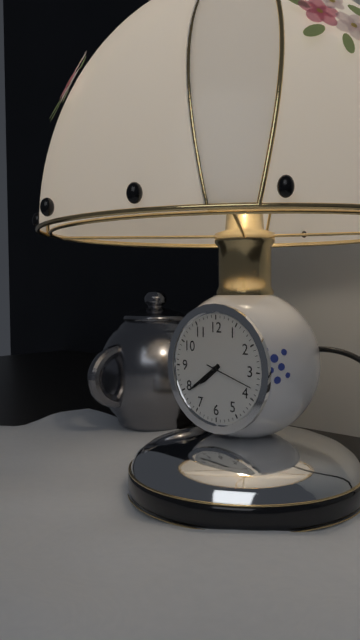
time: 7:39:18
